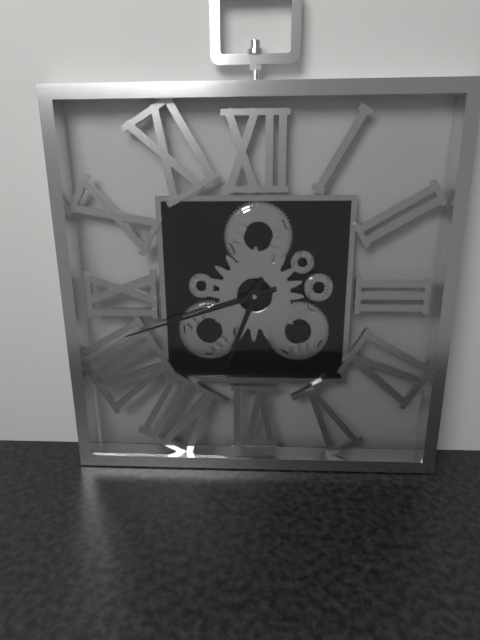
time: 6:42
